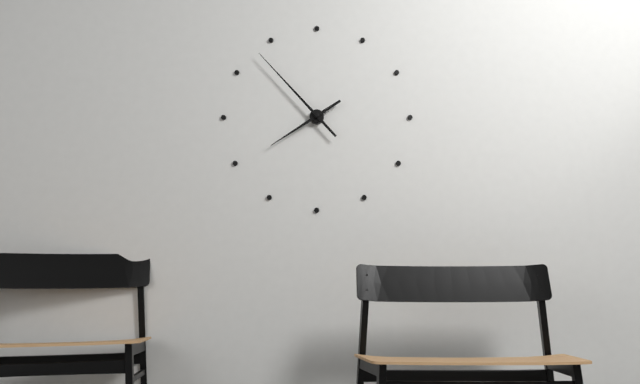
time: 7:53
